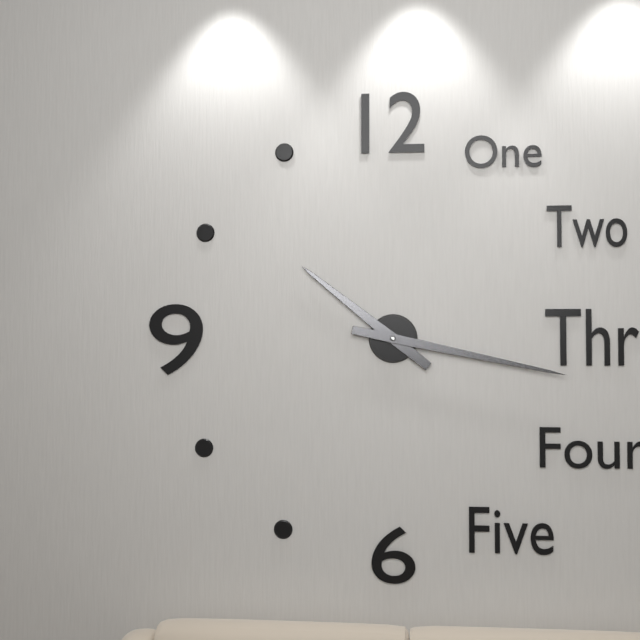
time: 10:17
